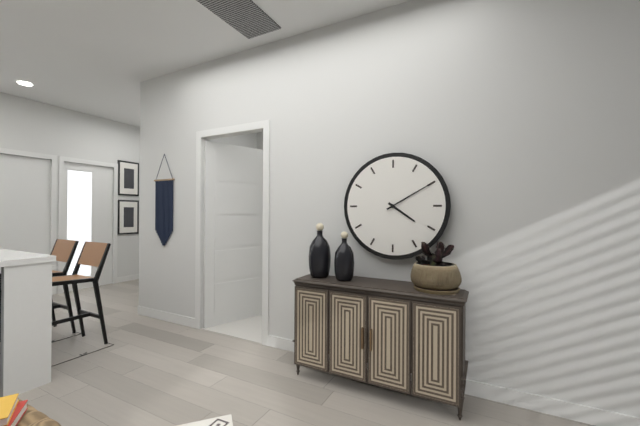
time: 4:10
